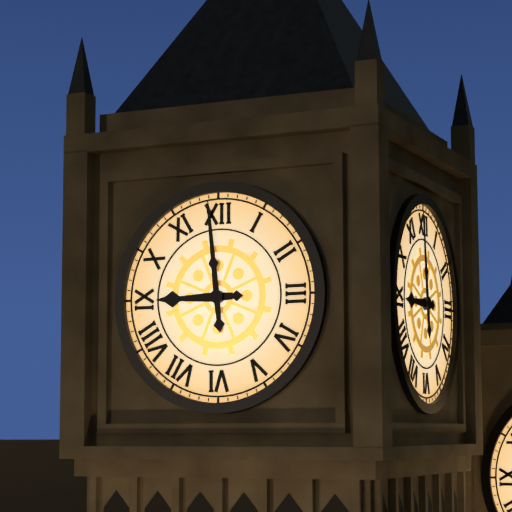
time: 8:59
